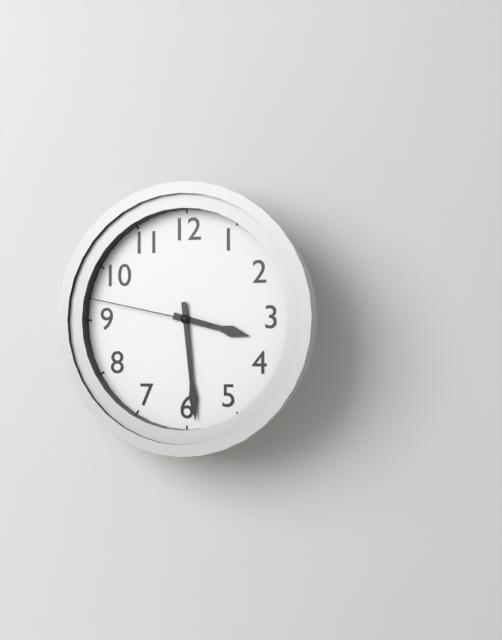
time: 3:29:47
